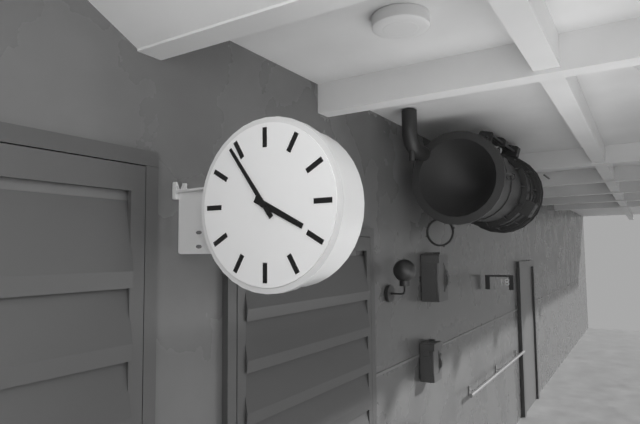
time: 3:54
